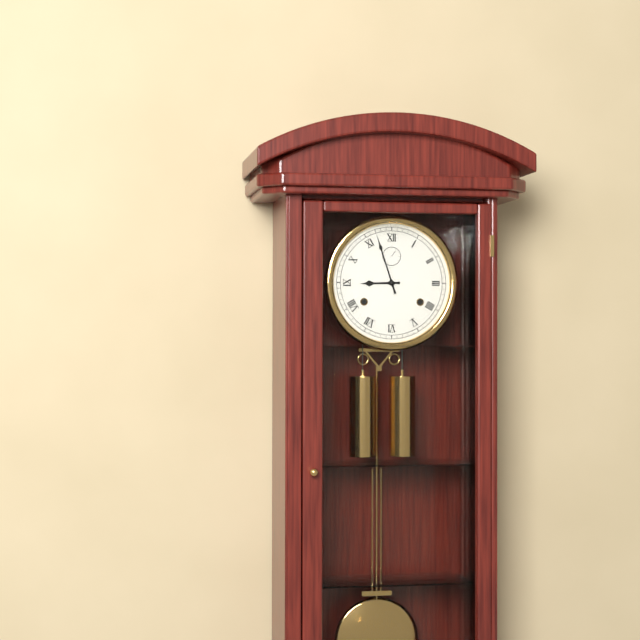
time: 8:57
